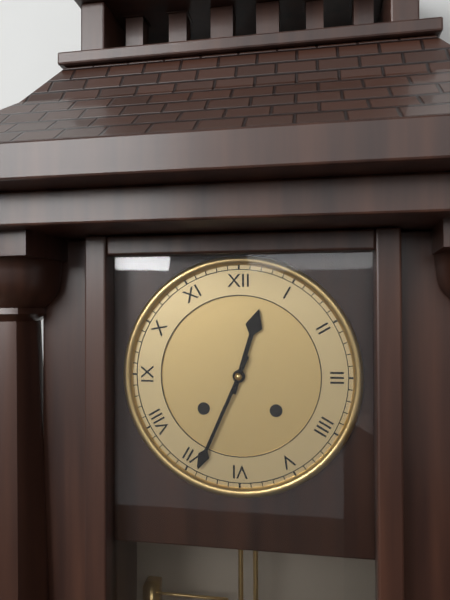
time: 12:34
